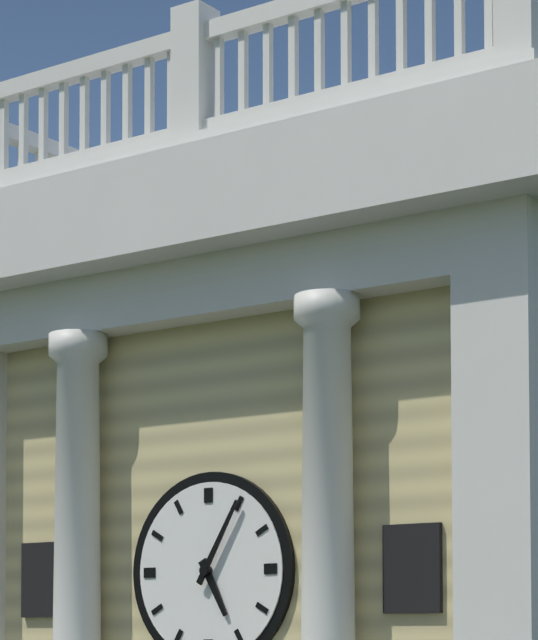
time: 5:05
